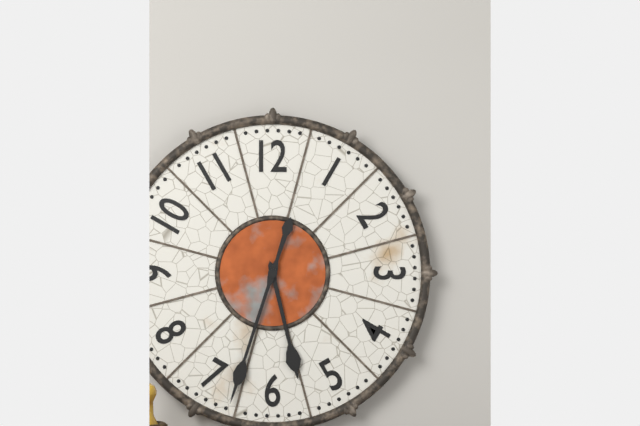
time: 5:33
